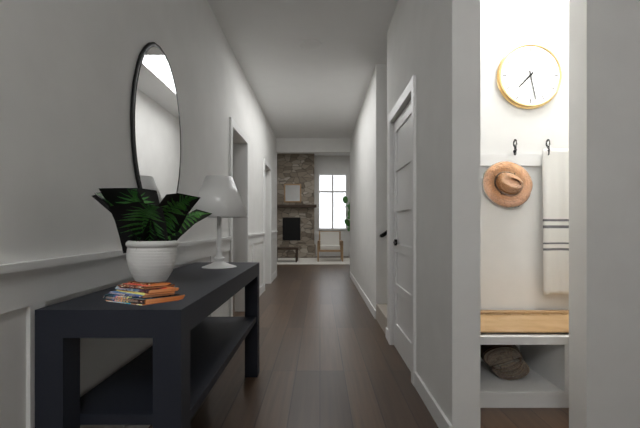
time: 7:28
